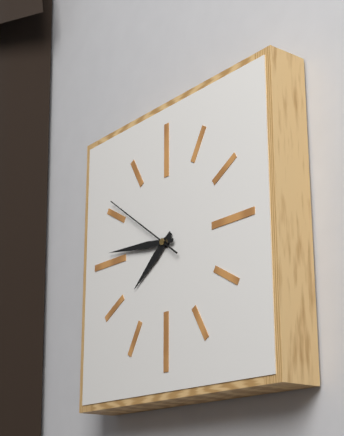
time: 7:46:51
